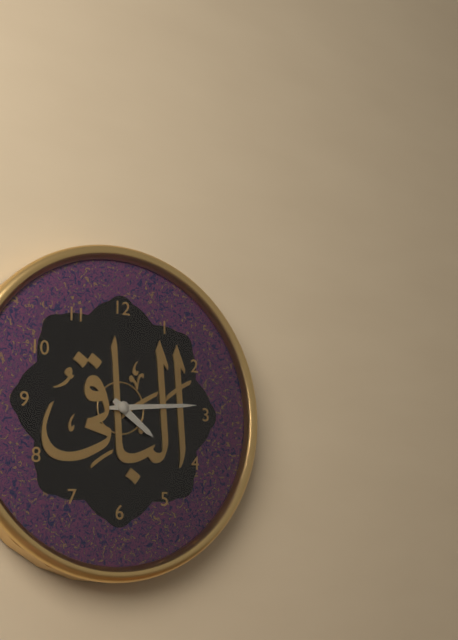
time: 4:14
